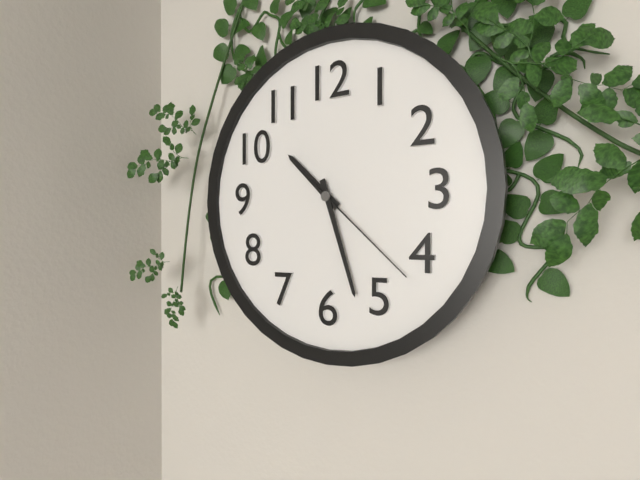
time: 10:27:22
